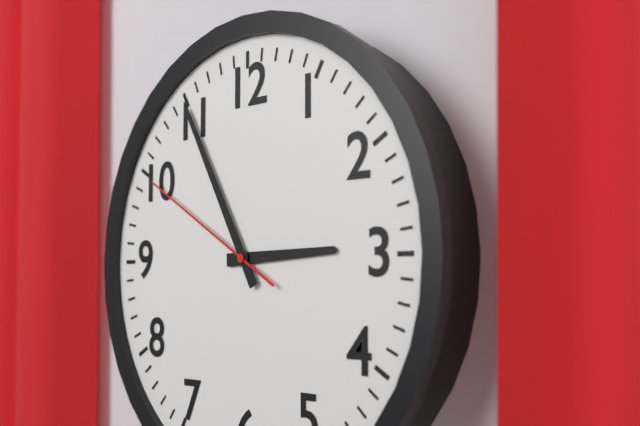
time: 2:55:50
